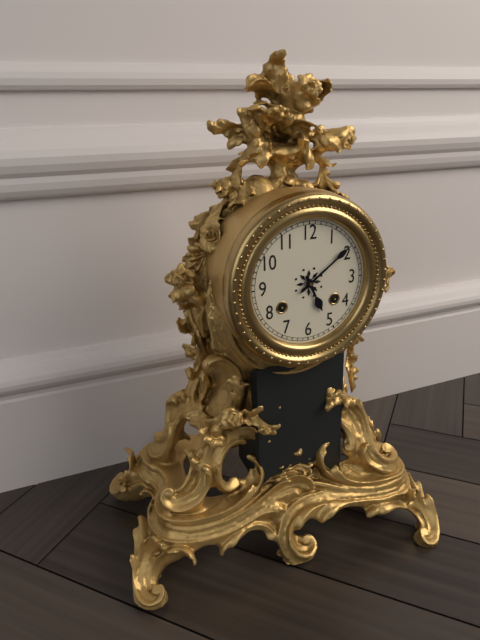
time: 5:09
